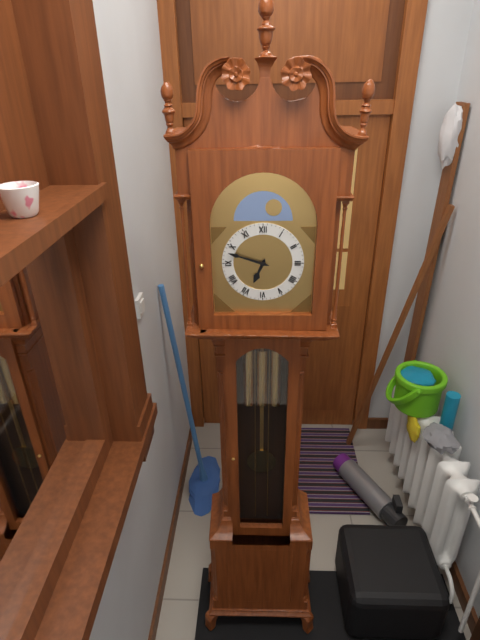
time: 6:48
